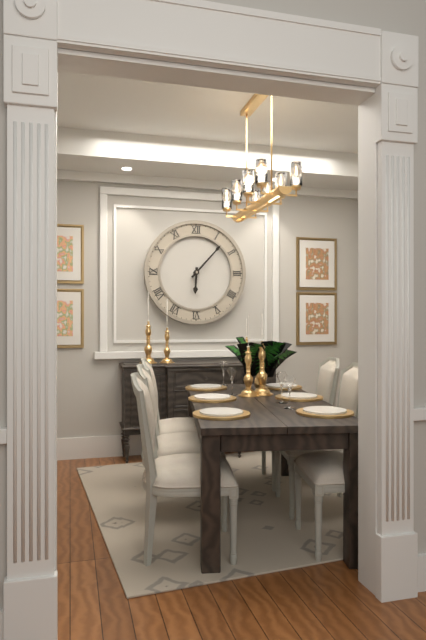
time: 6:07
